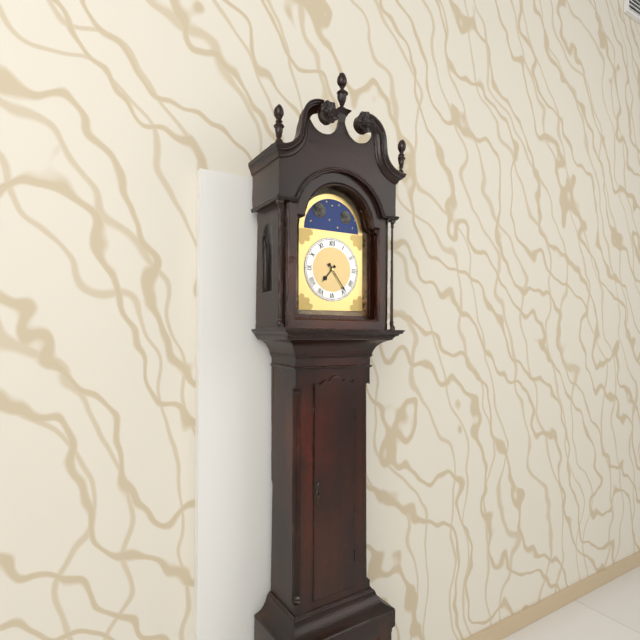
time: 7:24
